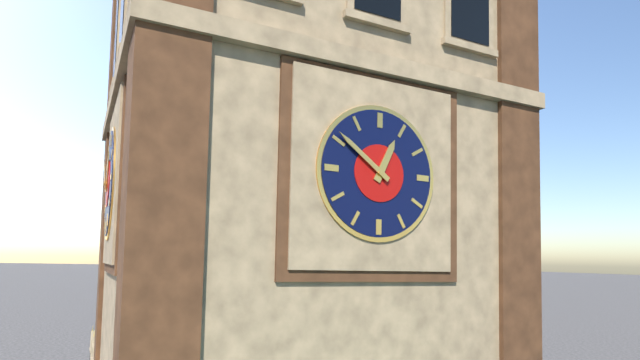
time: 12:51
